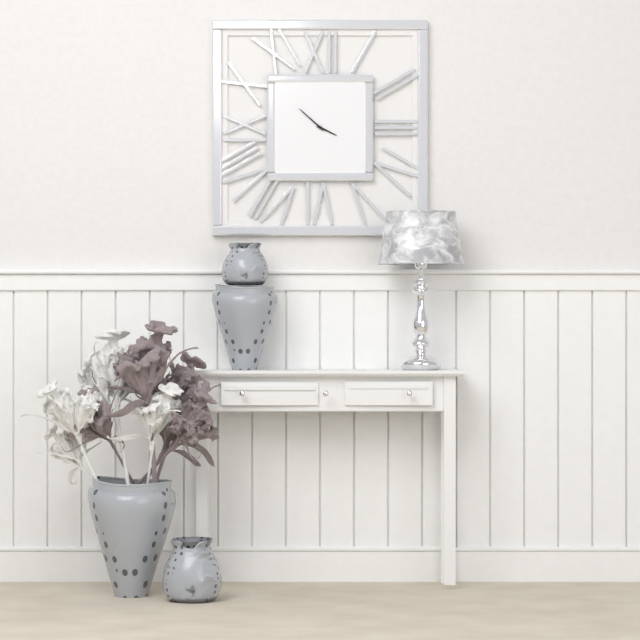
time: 3:52
